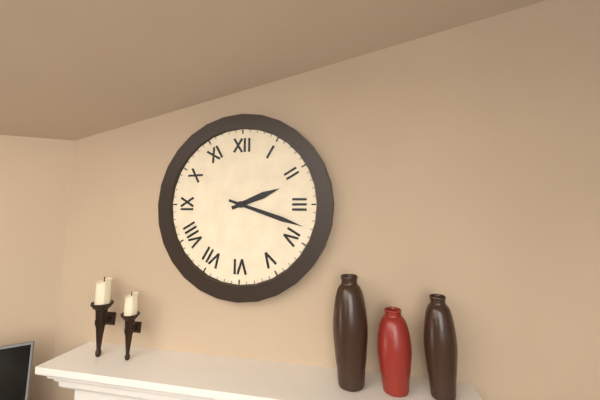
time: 2:18
